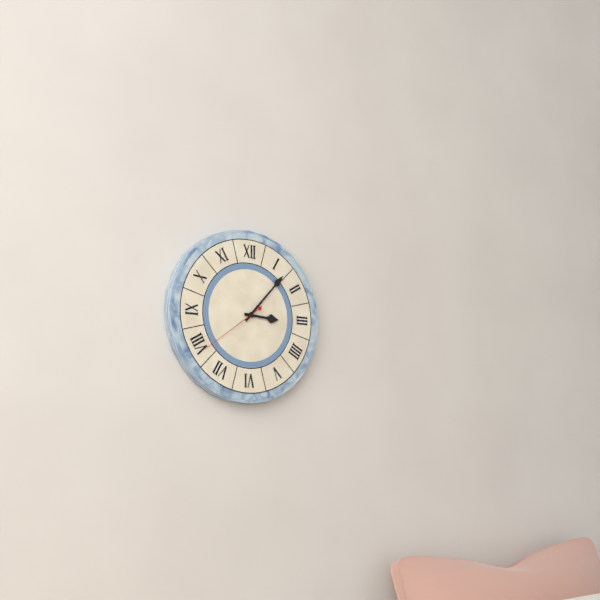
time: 3:07:39
